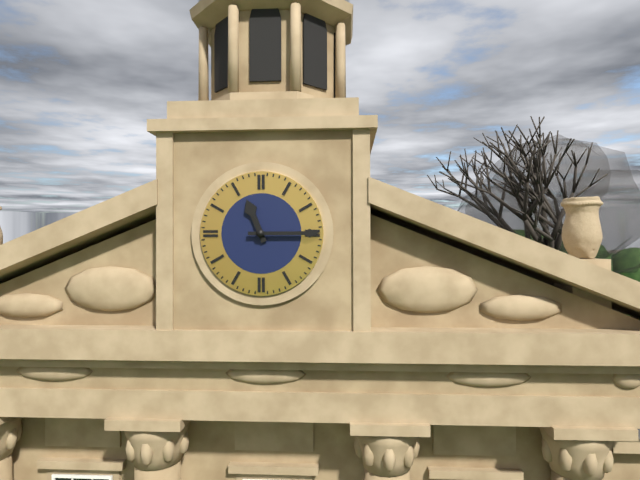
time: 11:15
